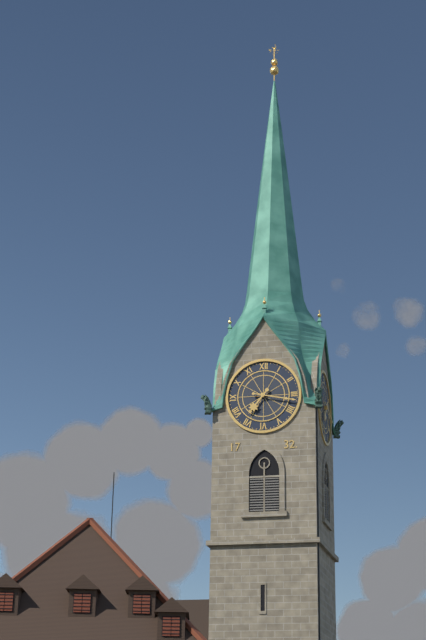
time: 7:17
